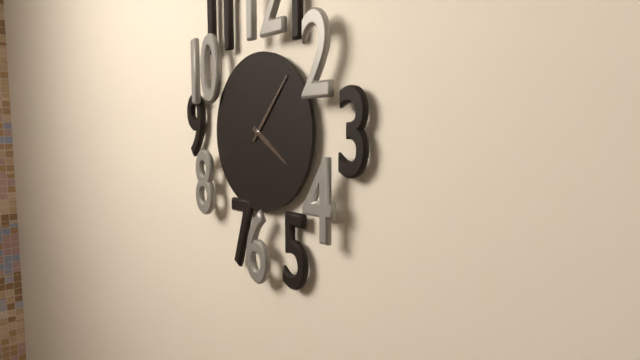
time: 4:07
